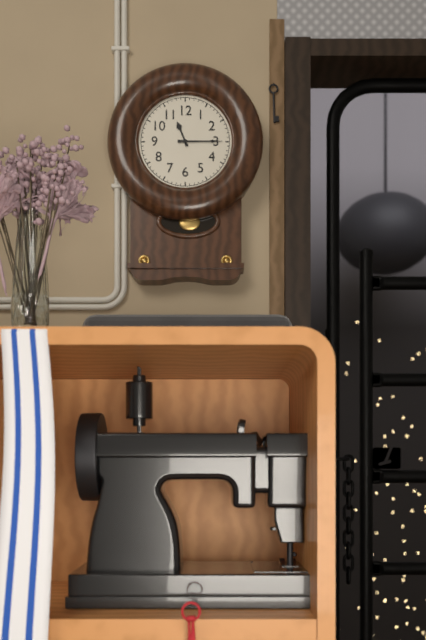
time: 11:15
